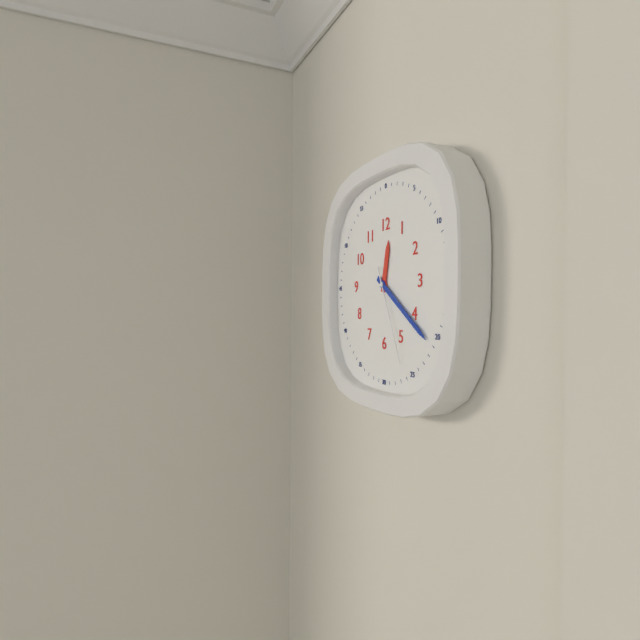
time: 12:21:26
